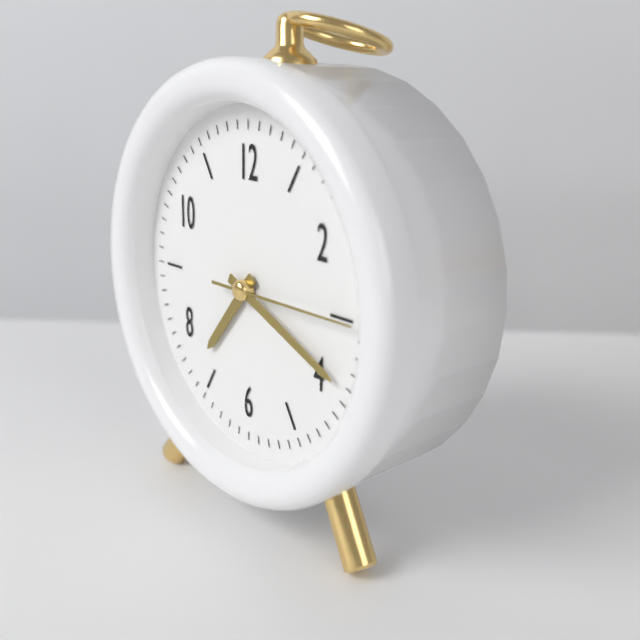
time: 7:19:15
